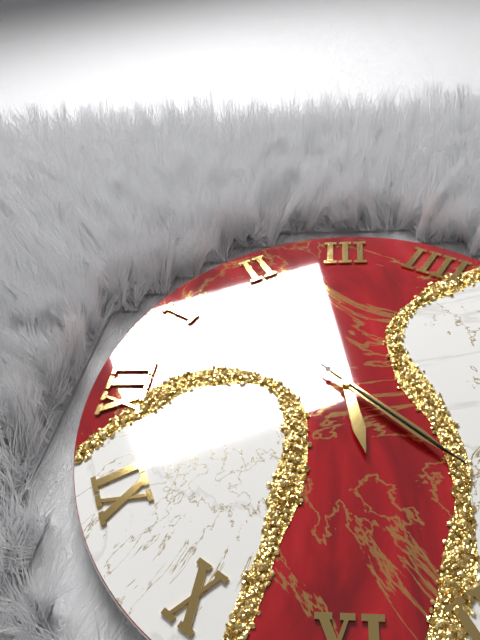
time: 8:37:37
